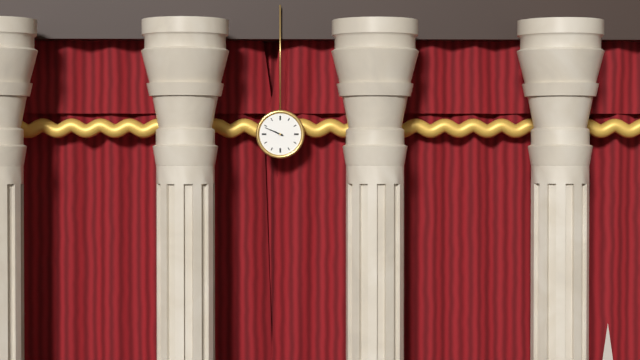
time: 9:49
